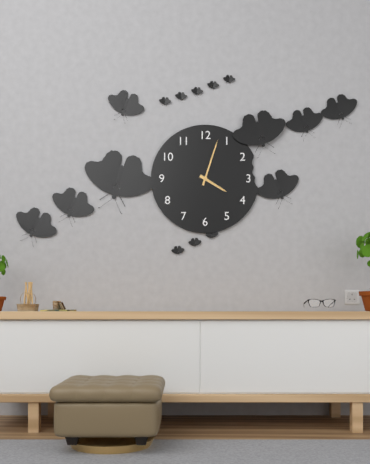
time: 4:03
